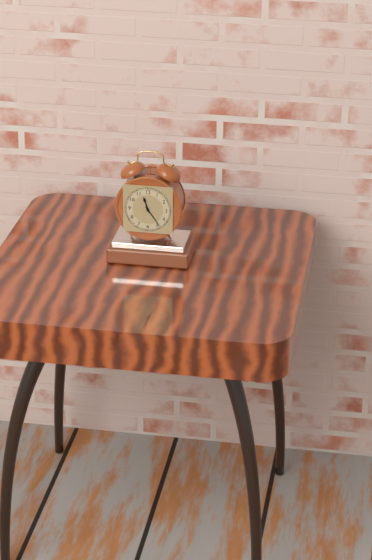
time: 11:24
